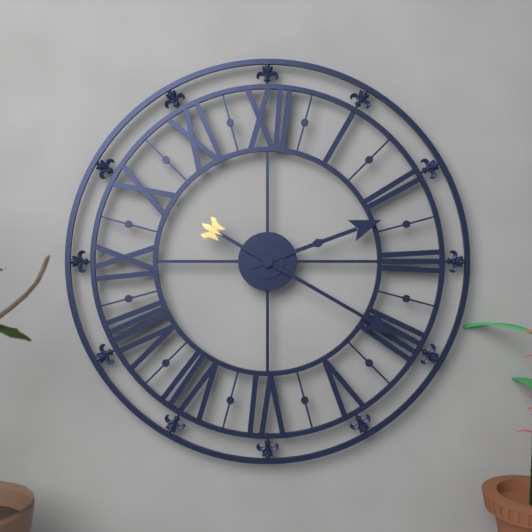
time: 2:20
